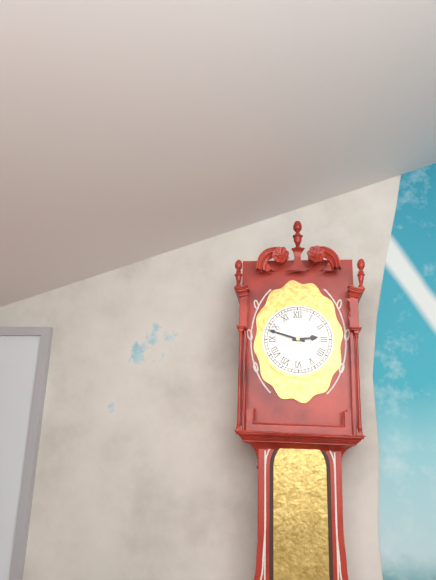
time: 2:48
